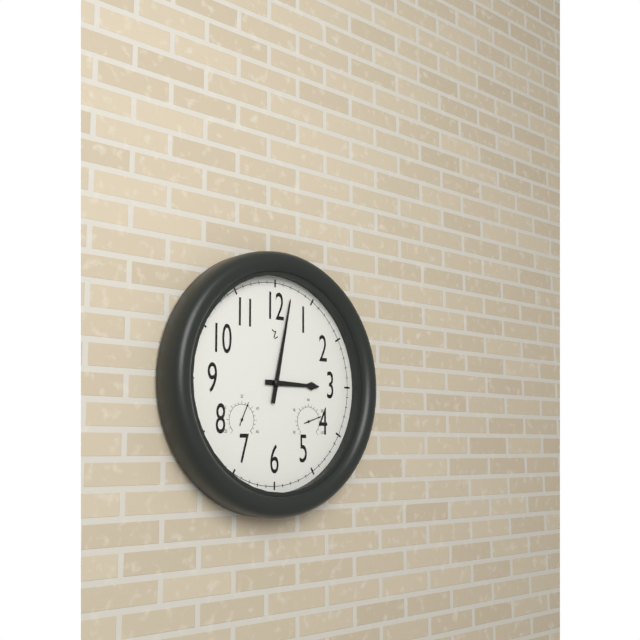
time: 3:02
